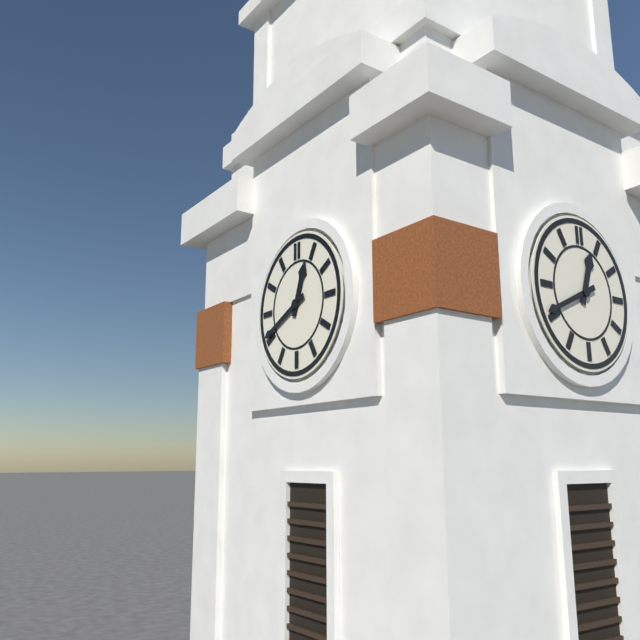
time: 12:41
